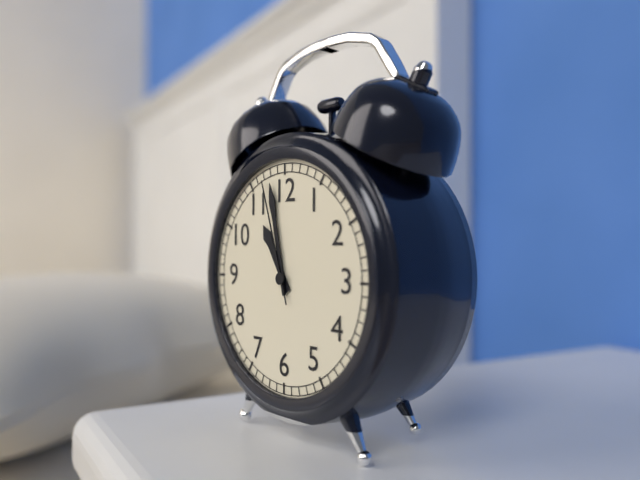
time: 10:58:57
